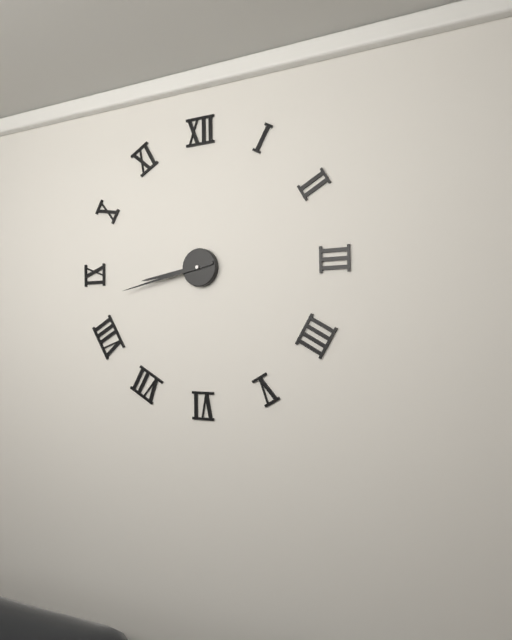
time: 8:43
